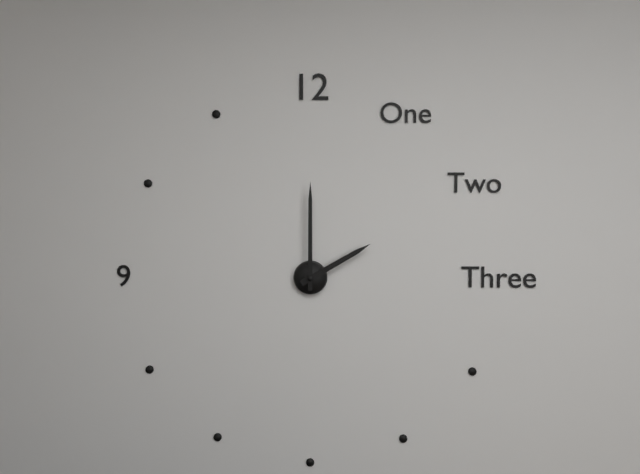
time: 2:00
